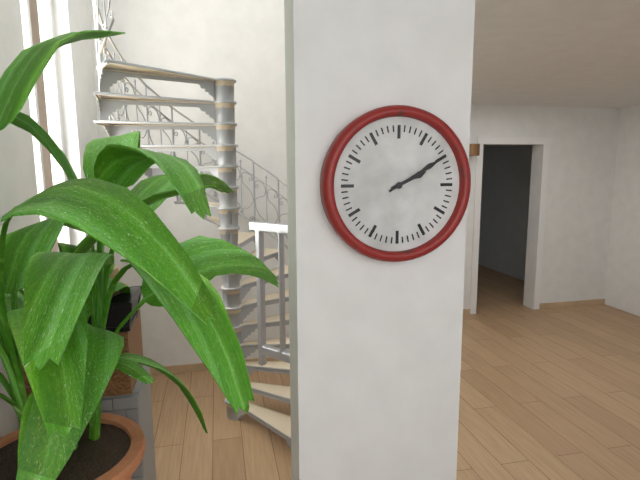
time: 2:10
